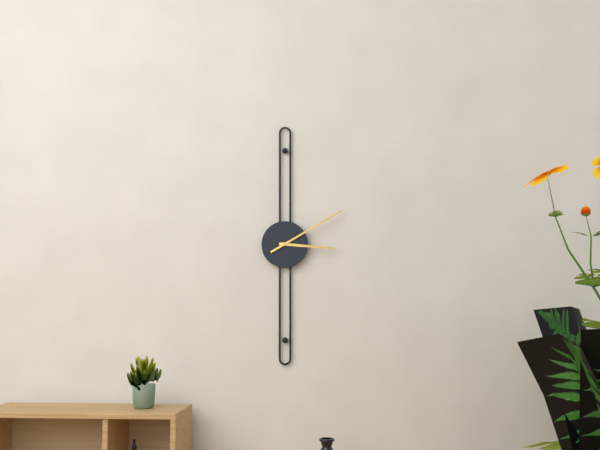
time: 3:10
